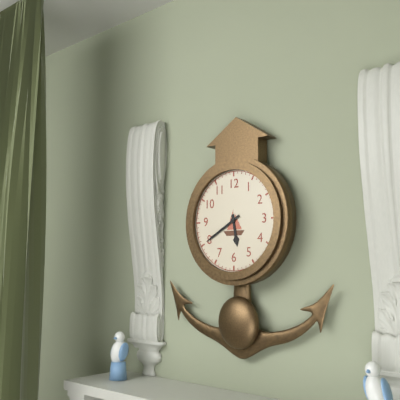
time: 5:40
